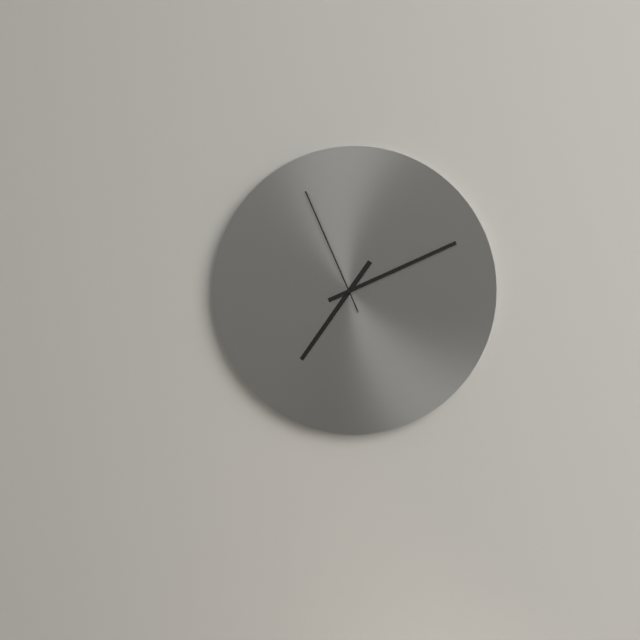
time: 7:11:56
